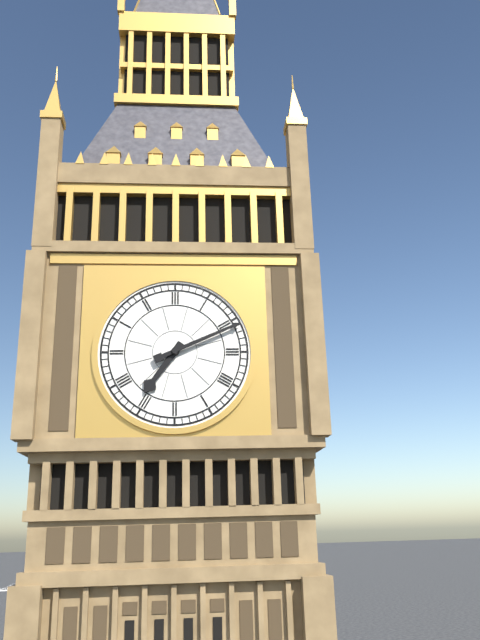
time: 7:11
